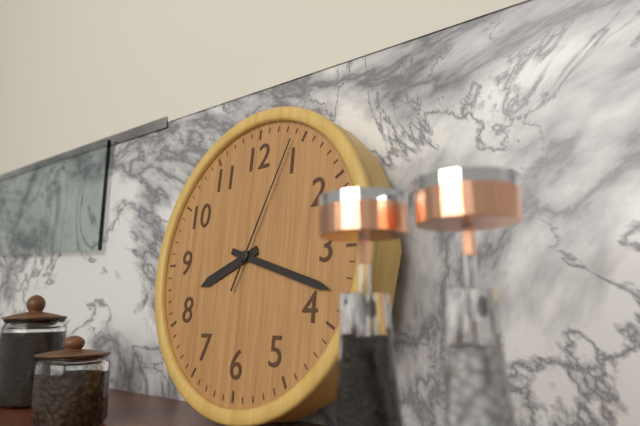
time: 8:18:04
